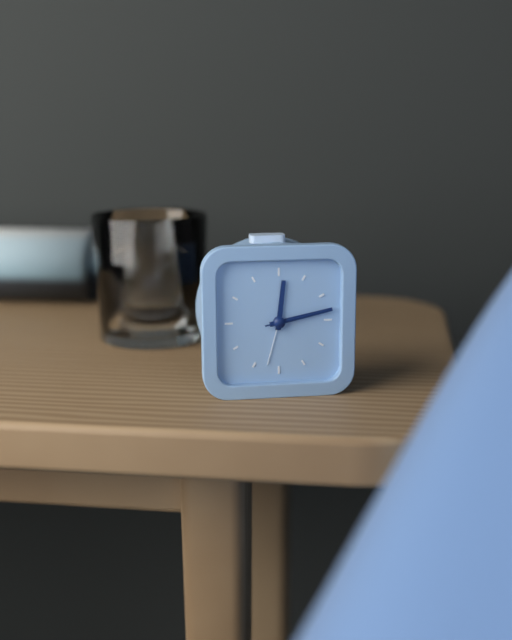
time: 12:13:13
